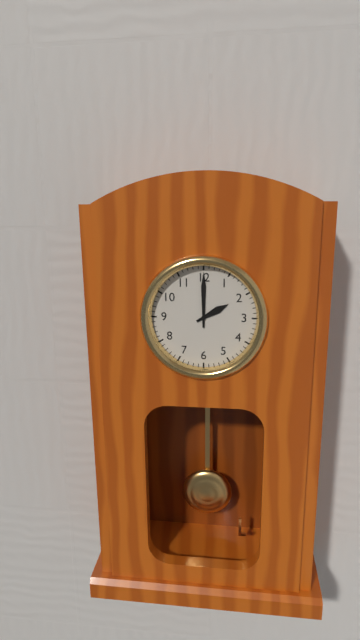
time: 2:00
